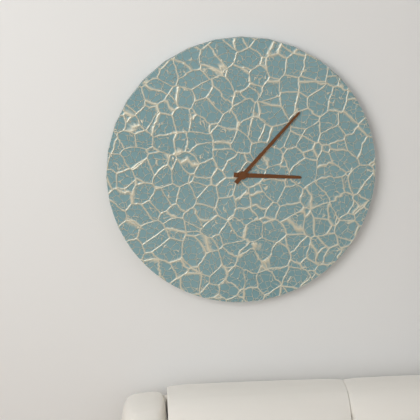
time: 3:07
